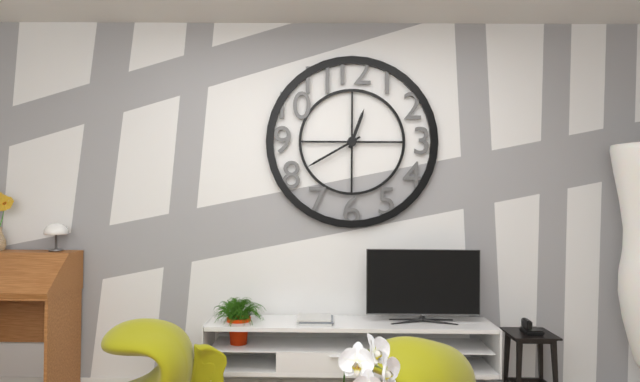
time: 12:40
